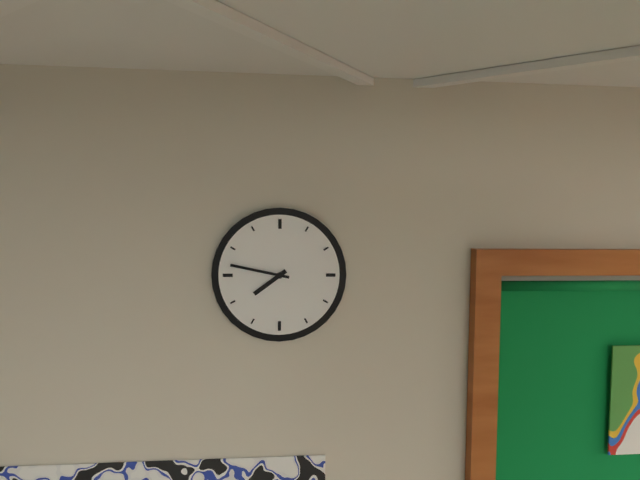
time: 7:47
